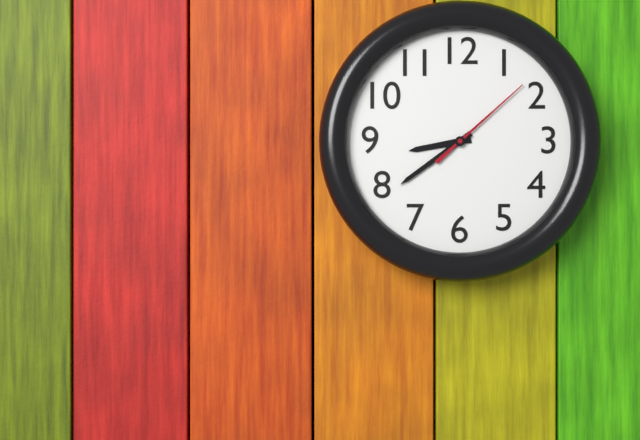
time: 8:39:08
